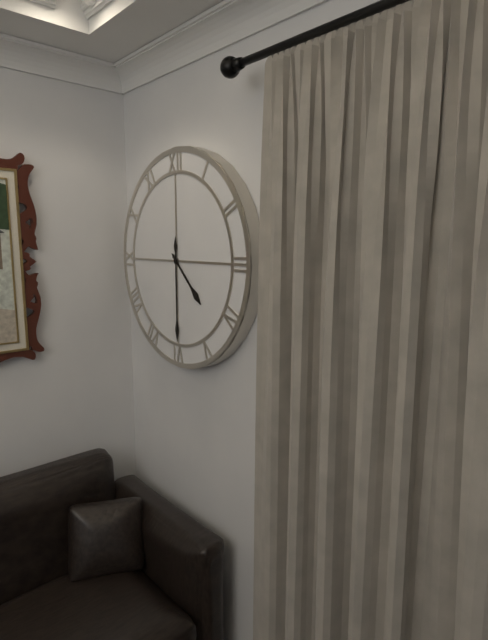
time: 4:30
